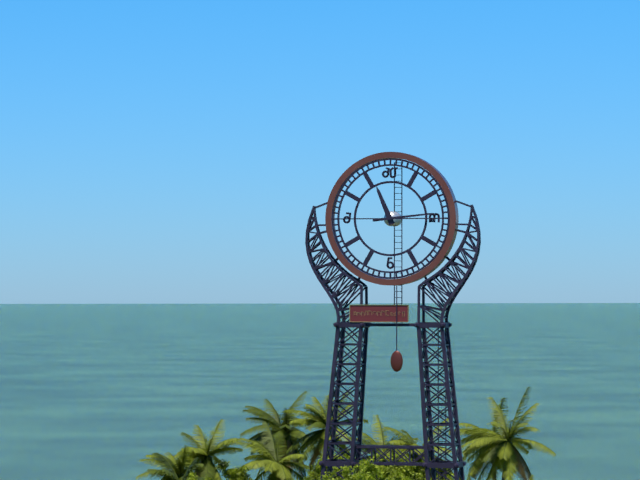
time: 11:14
